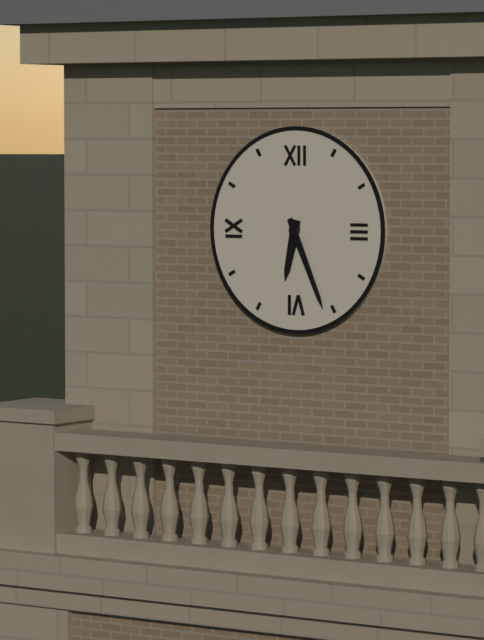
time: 6:26
